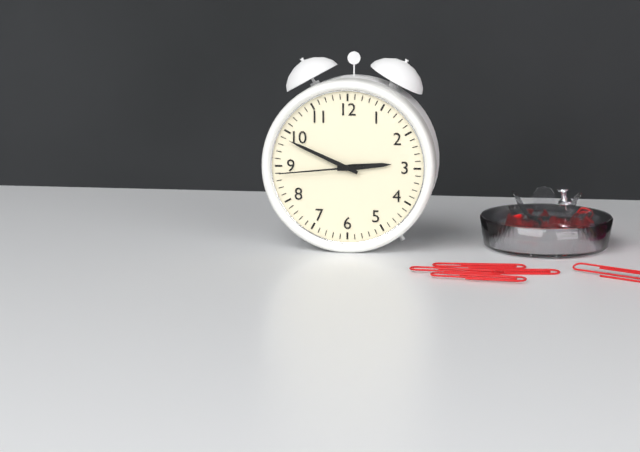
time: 2:49:44
